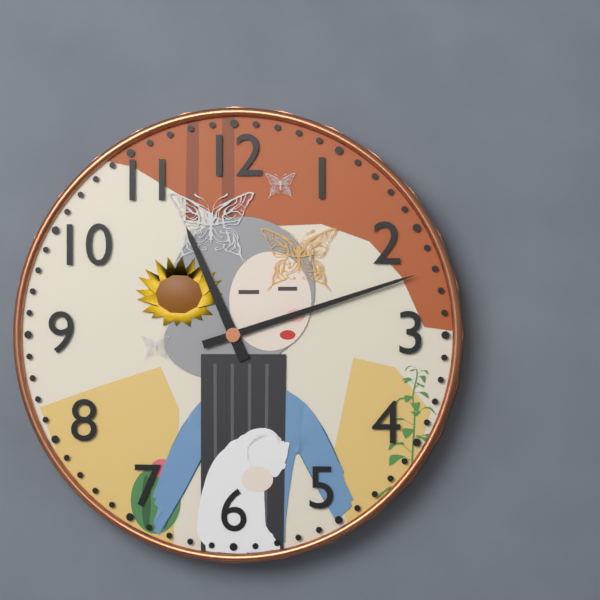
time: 11:12
